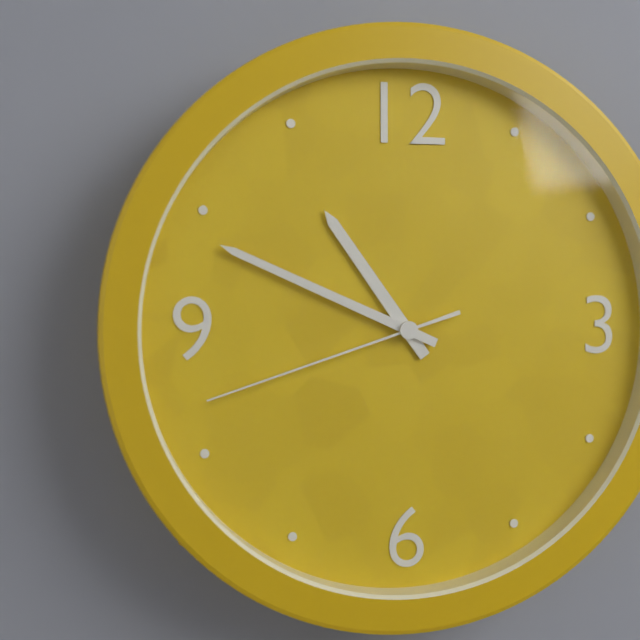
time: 10:49:42
